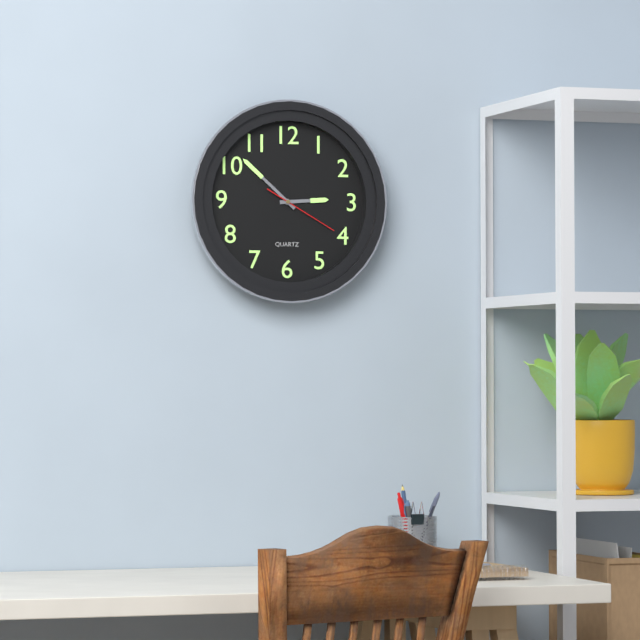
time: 2:52:20
